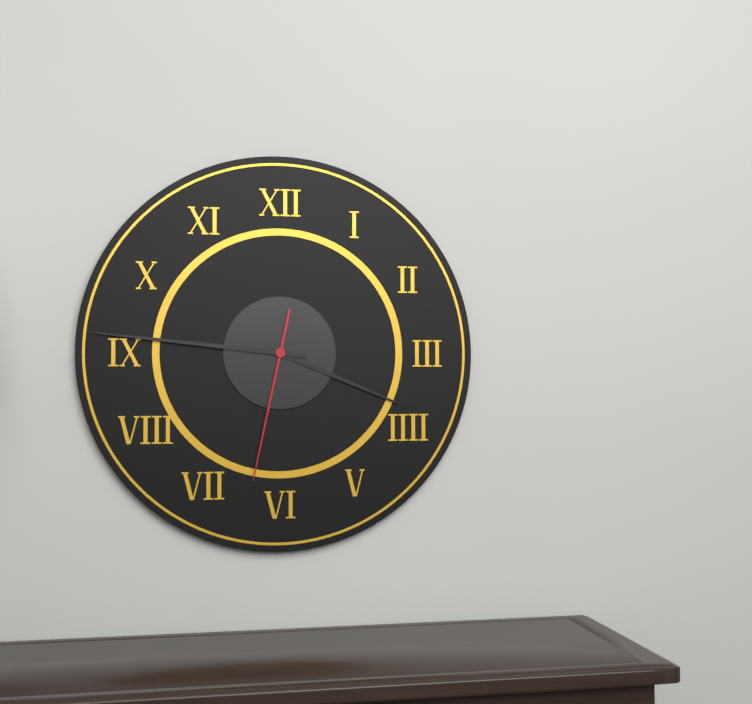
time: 3:46:32
